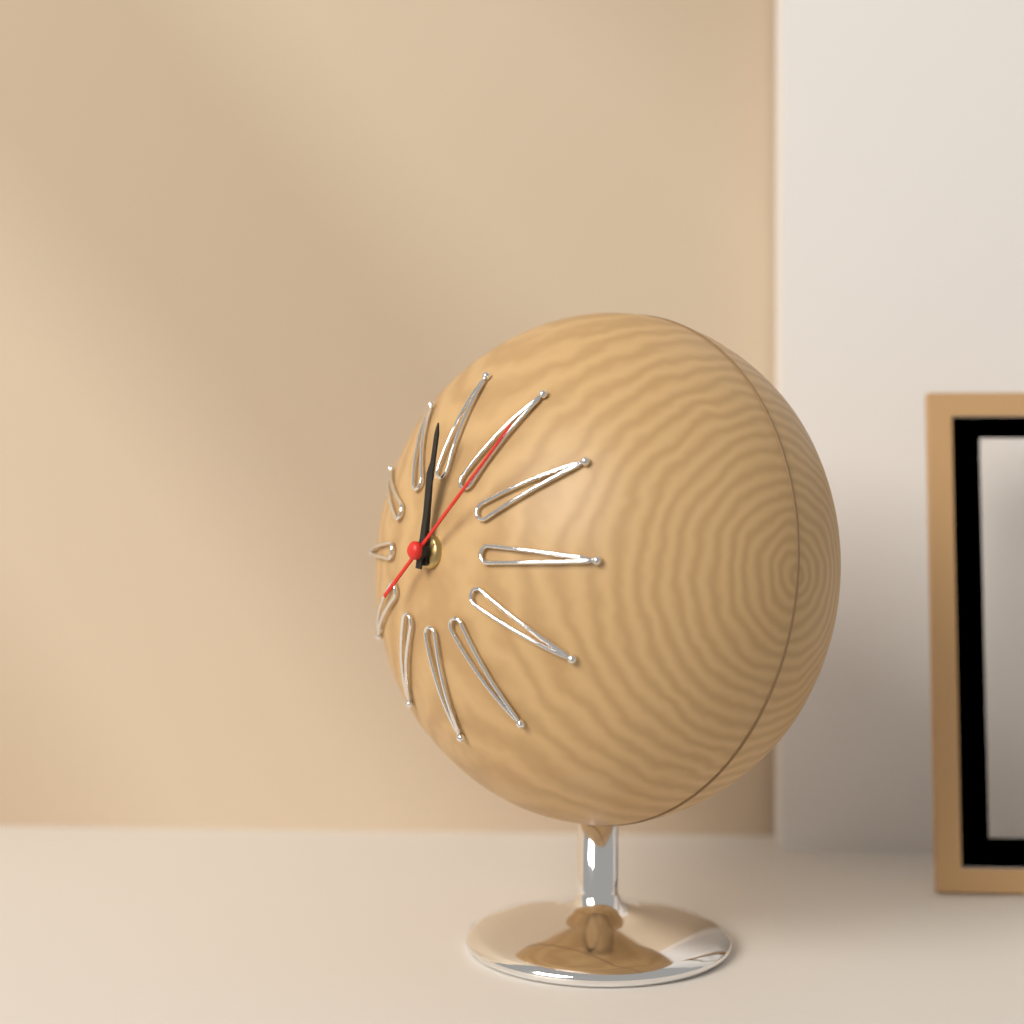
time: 12:01:08
